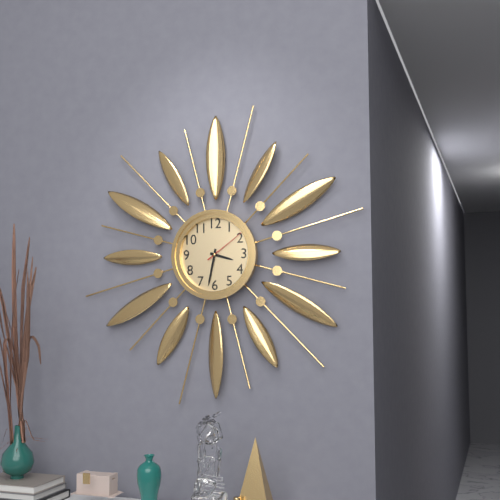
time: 3:32
